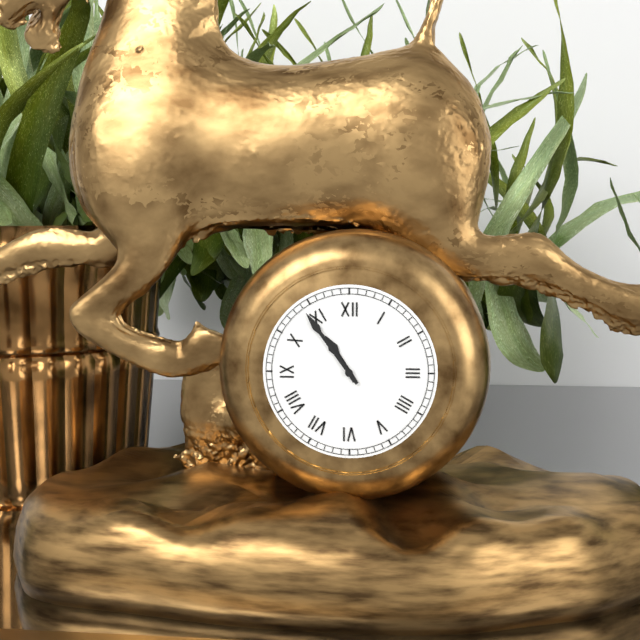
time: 10:54
